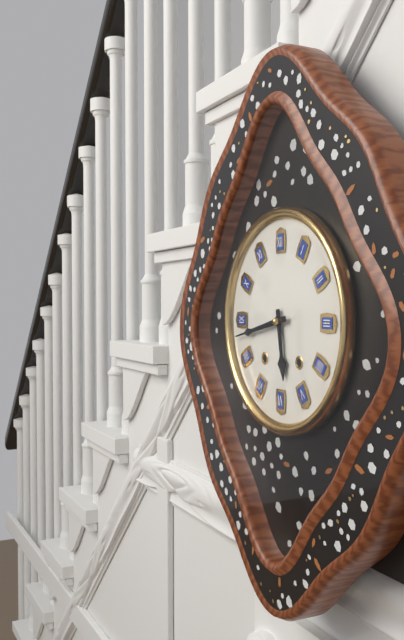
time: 5:43
